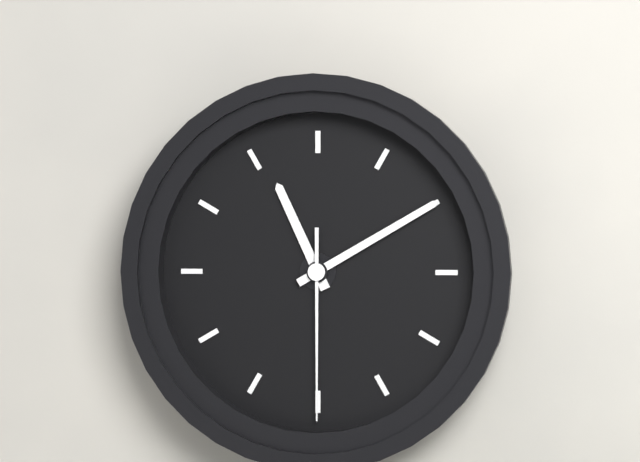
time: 11:10:30
